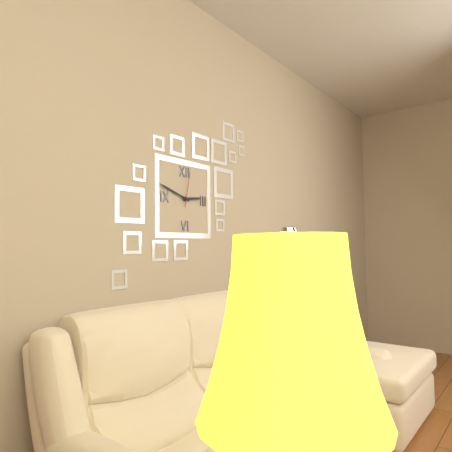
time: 2:48
